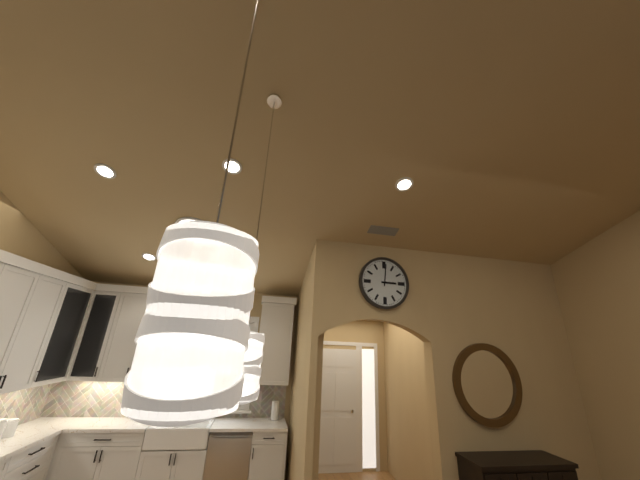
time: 3:01
